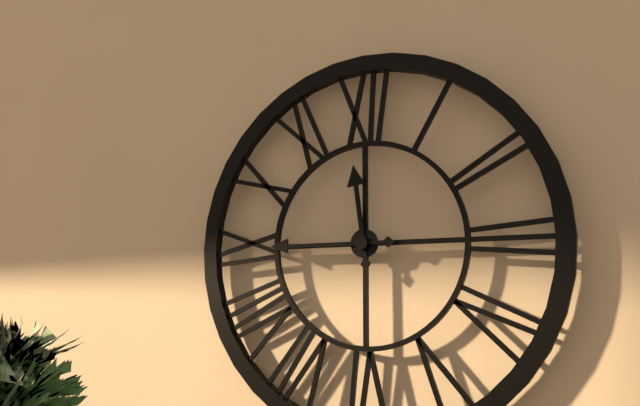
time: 11:45
